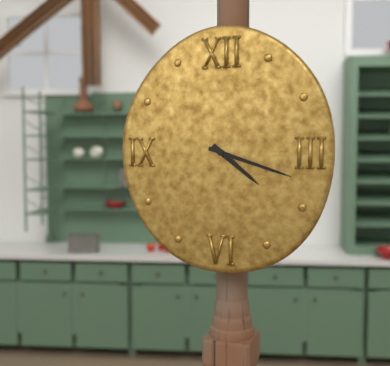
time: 4:18
